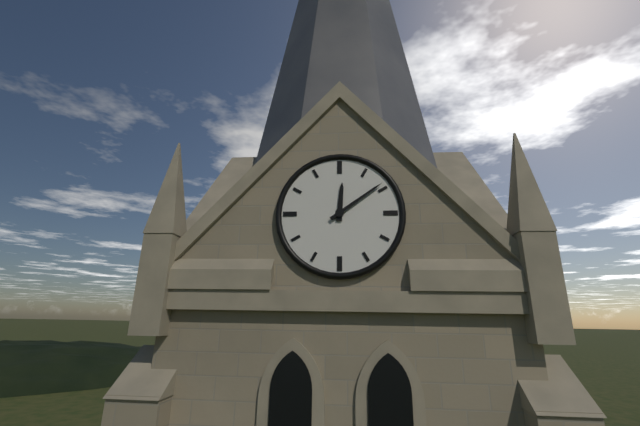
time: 12:09
